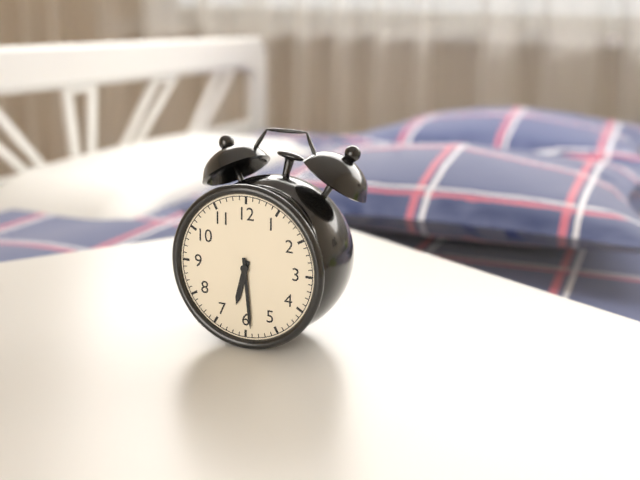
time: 6:29
